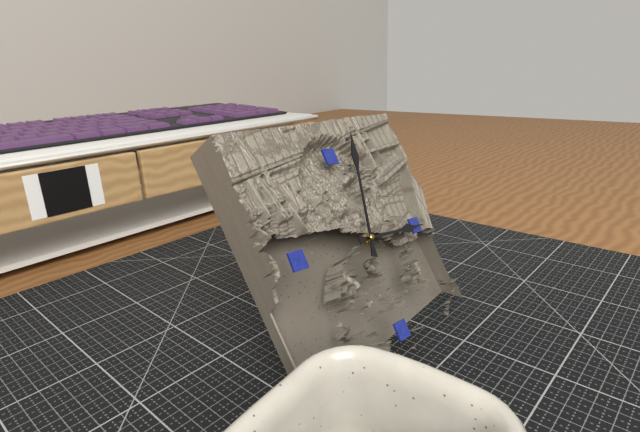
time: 3:03
